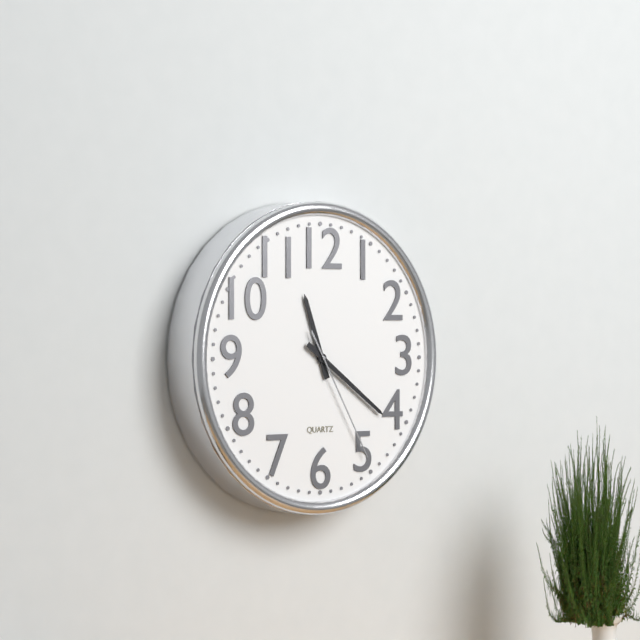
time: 11:21:25
